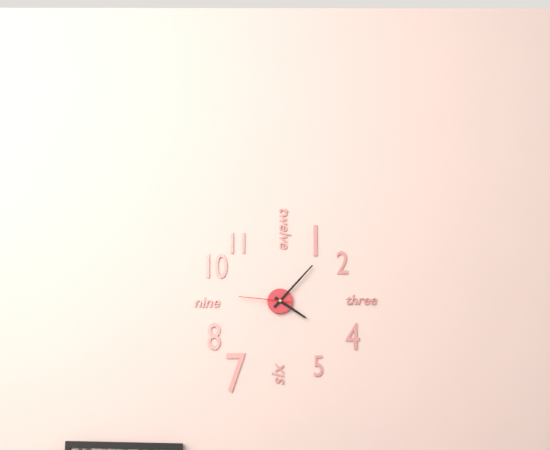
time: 4:07:46
